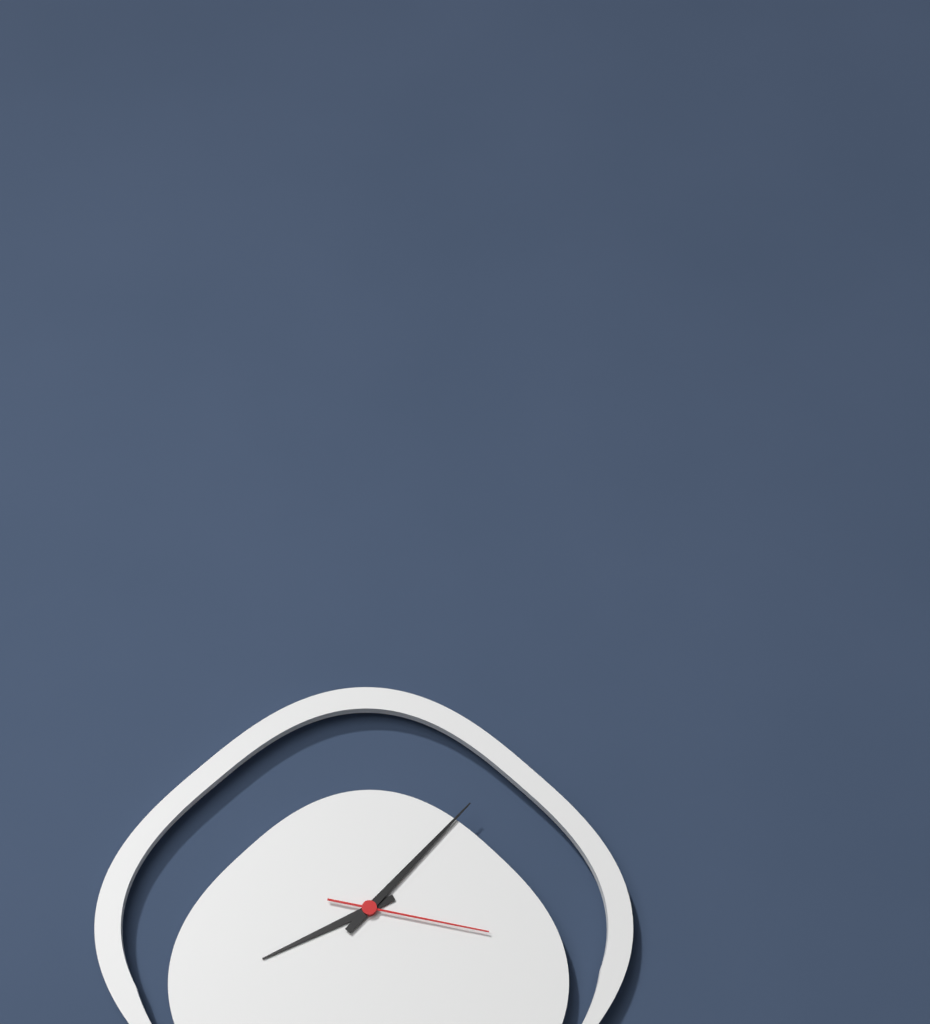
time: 8:07:17
